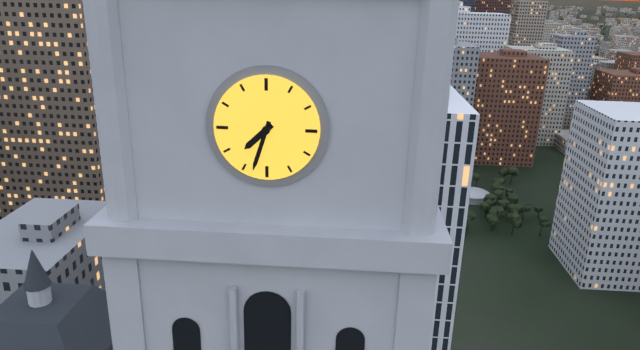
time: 7:33
